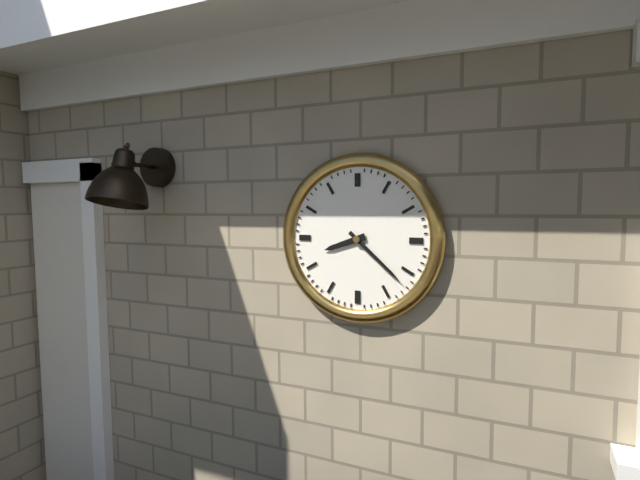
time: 8:22
